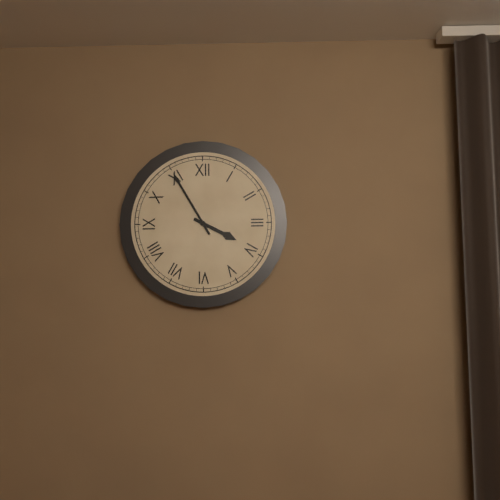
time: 3:55
